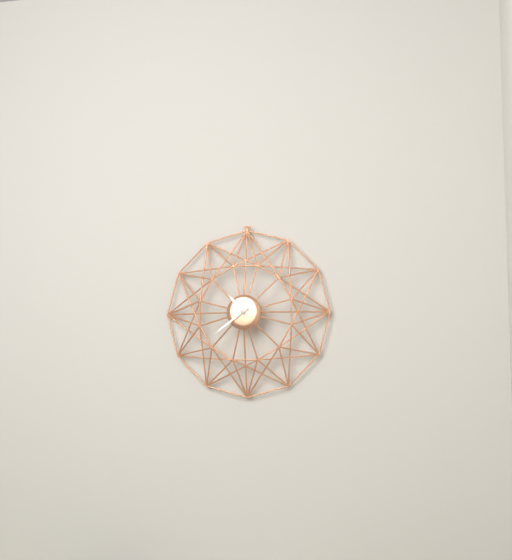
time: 10:39
